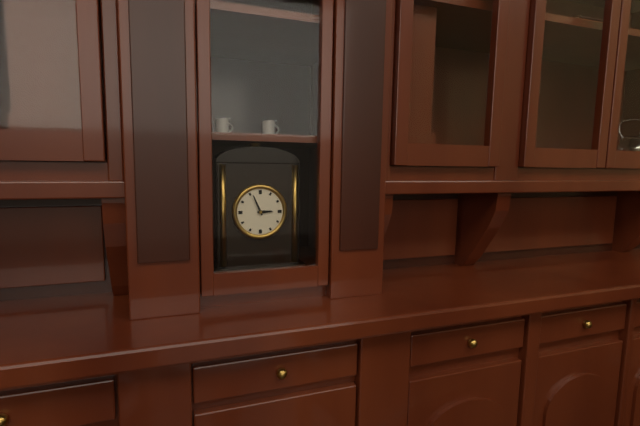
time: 2:56
